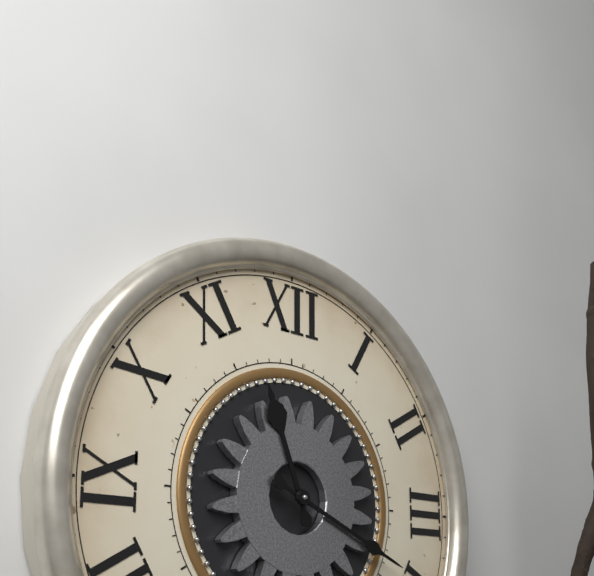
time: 11:19
